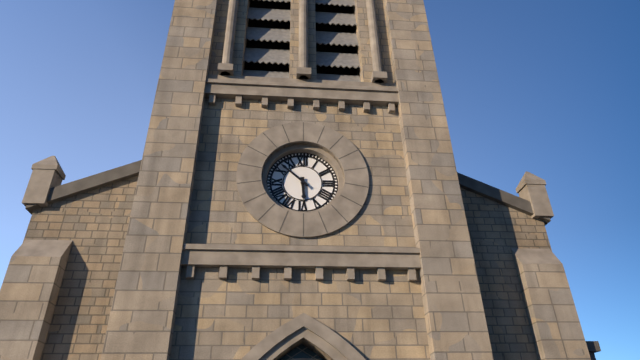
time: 5:52
